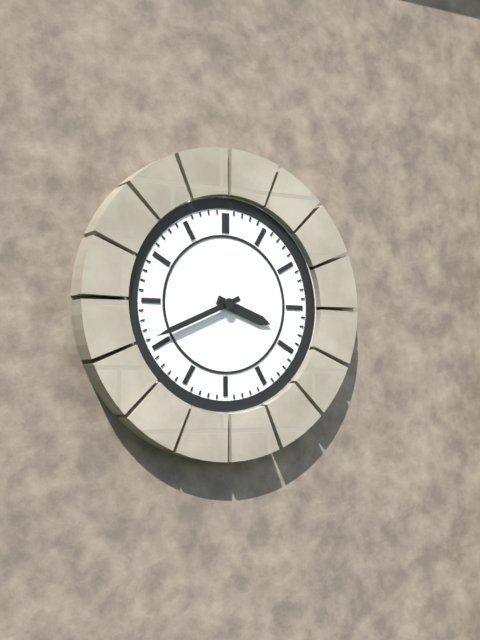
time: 3:41
